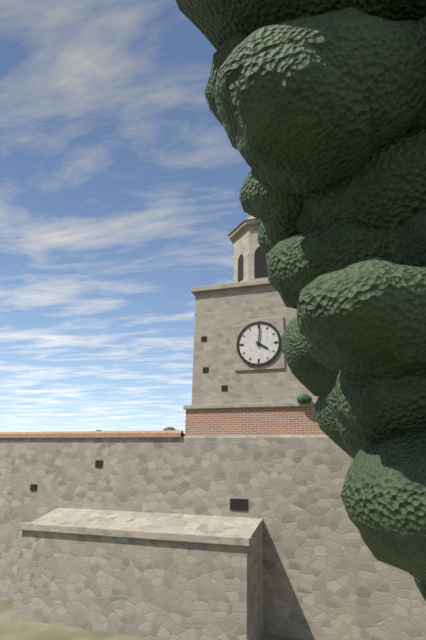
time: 4:01
